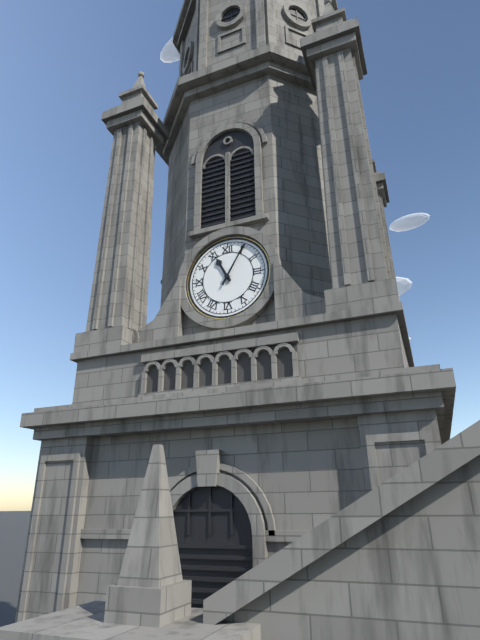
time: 11:05
